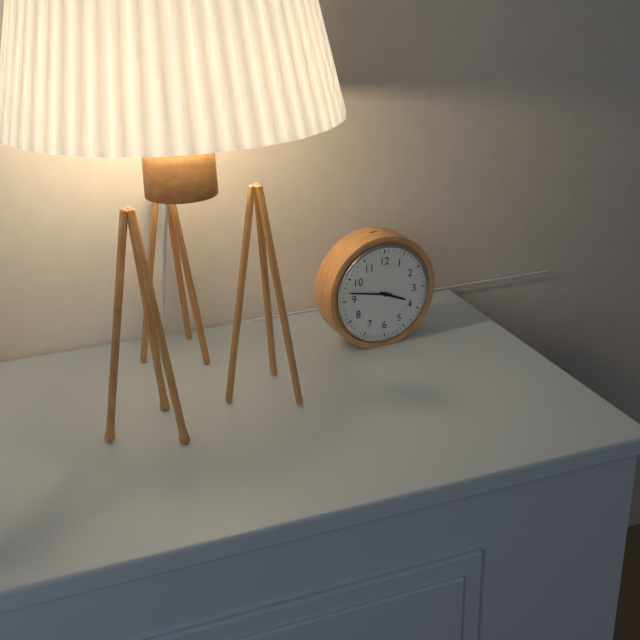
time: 3:47
